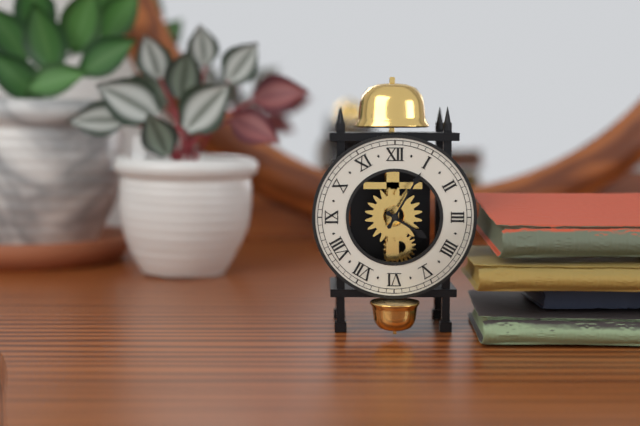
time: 4:05
